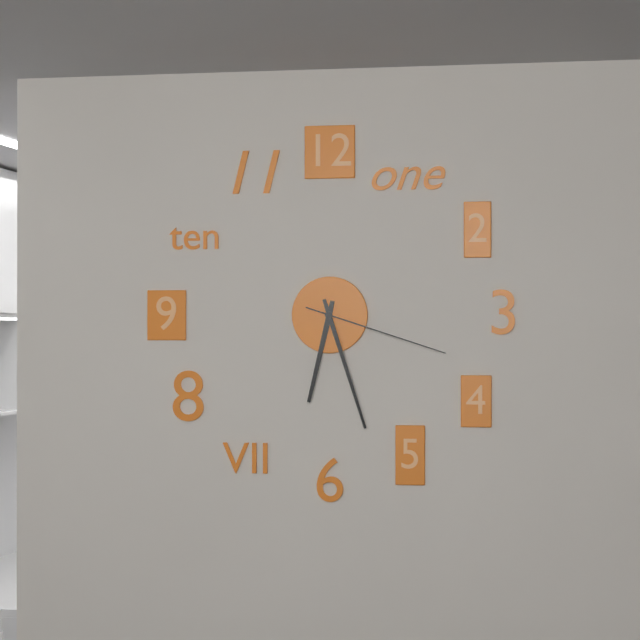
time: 6:27:18
